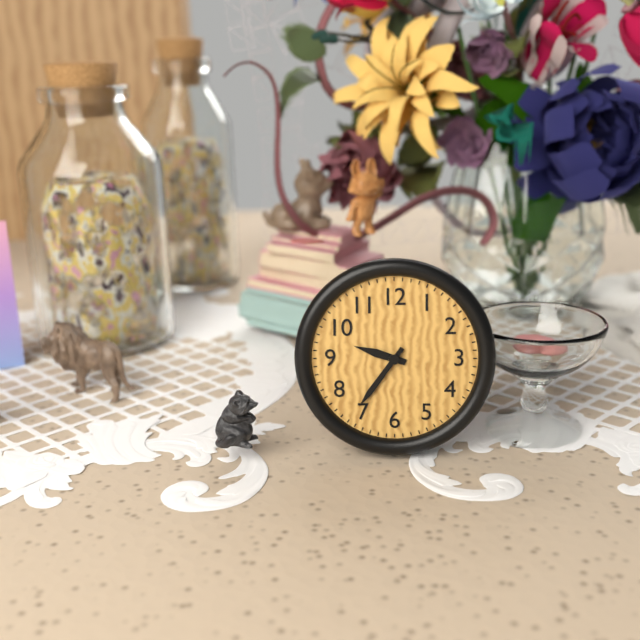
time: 9:36
